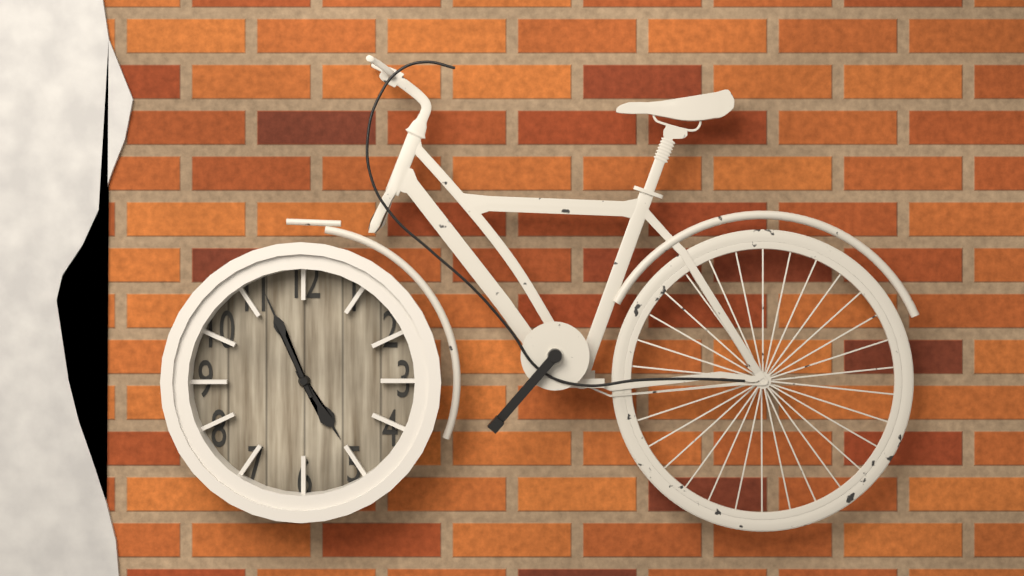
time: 4:56
